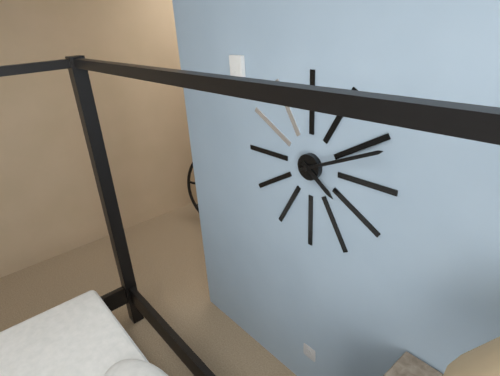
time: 4:11
